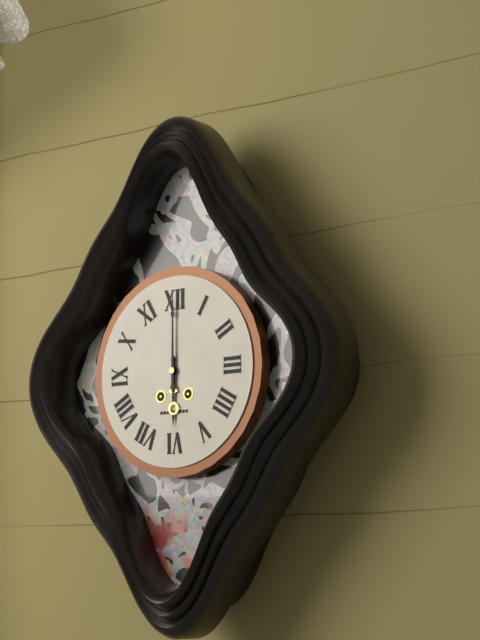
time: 6:00
